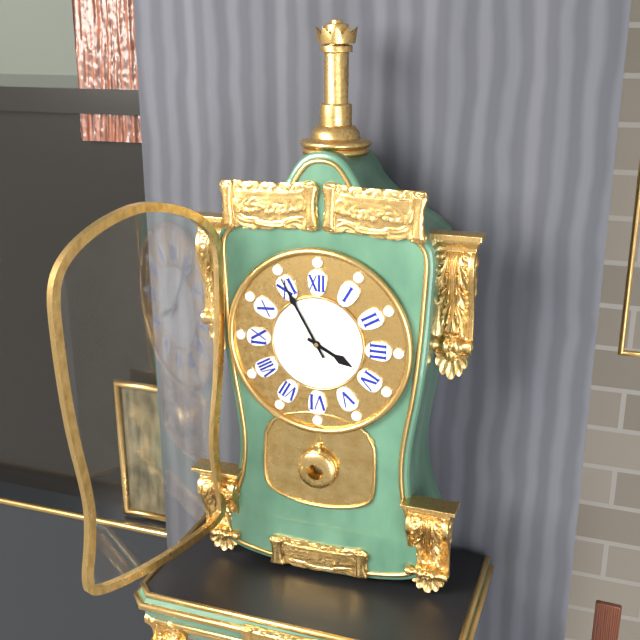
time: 3:55
